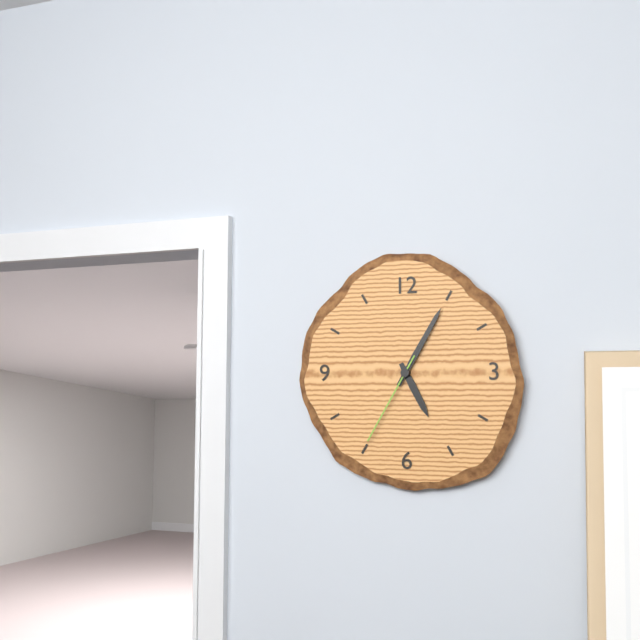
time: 5:05:35
